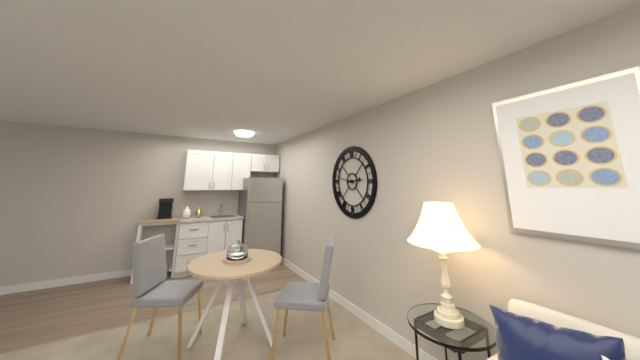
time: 2:47
